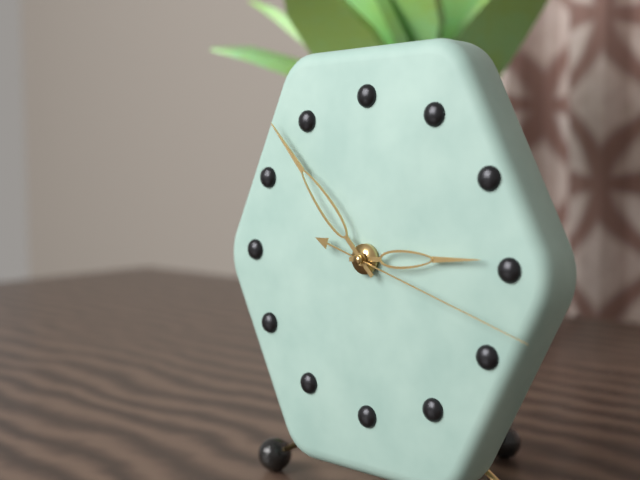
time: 2:53:18
